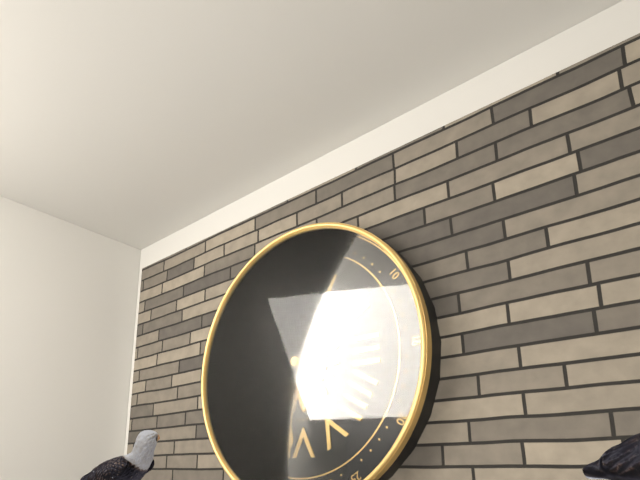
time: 7:31
